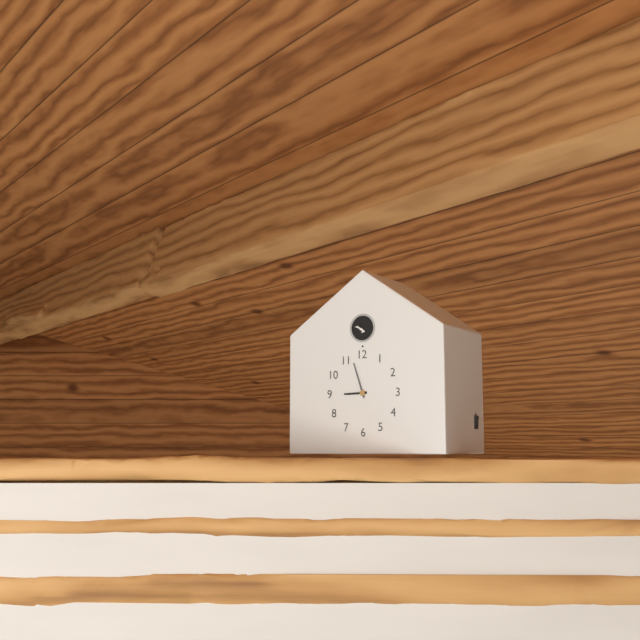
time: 8:57
